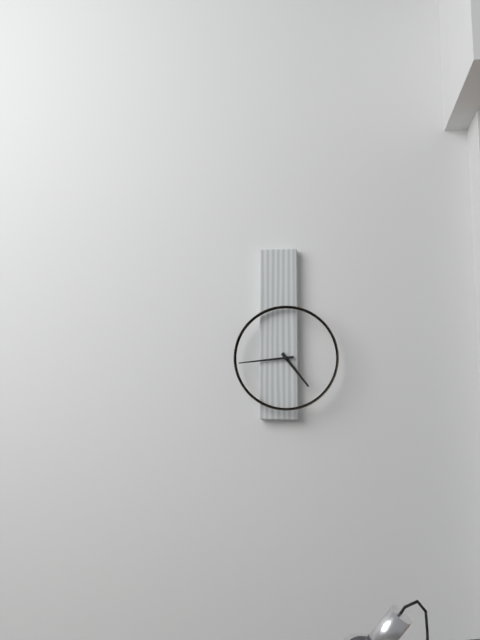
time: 4:44
